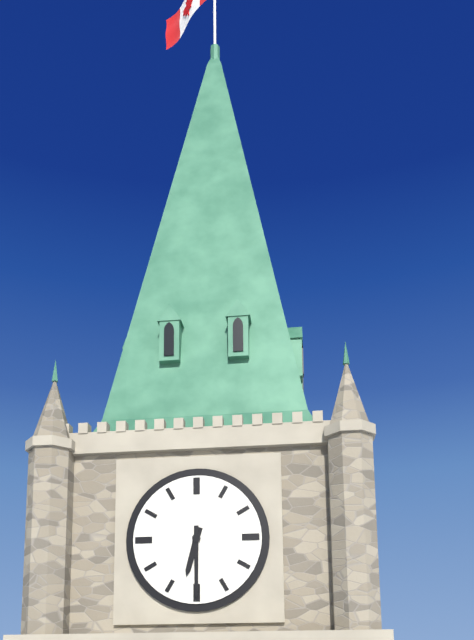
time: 6:30
